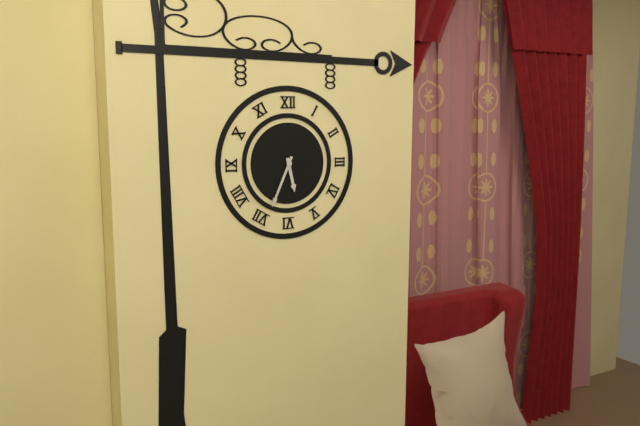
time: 5:34
